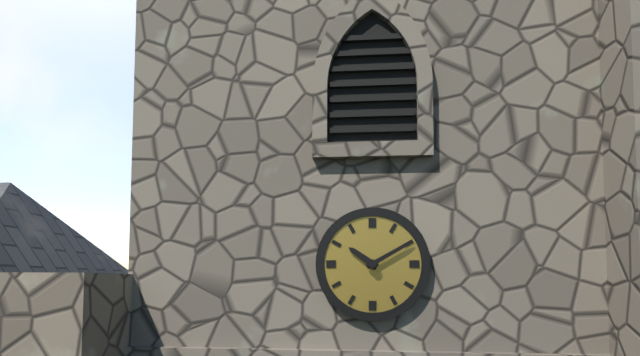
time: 10:10
